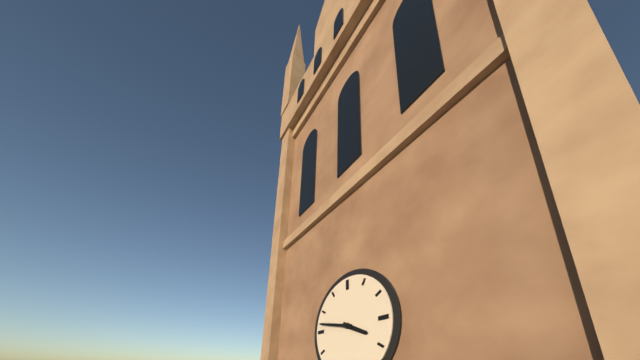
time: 3:47
